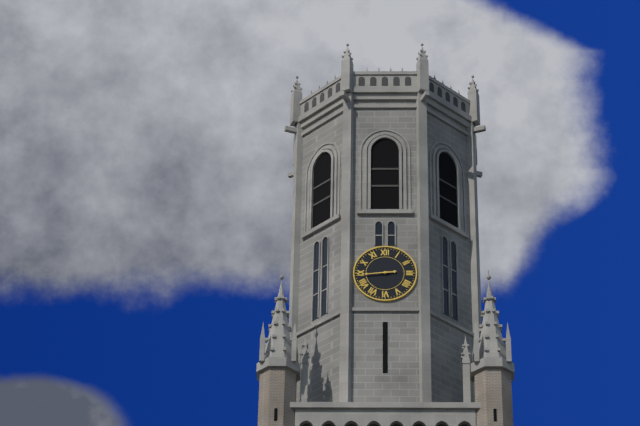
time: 2:44
